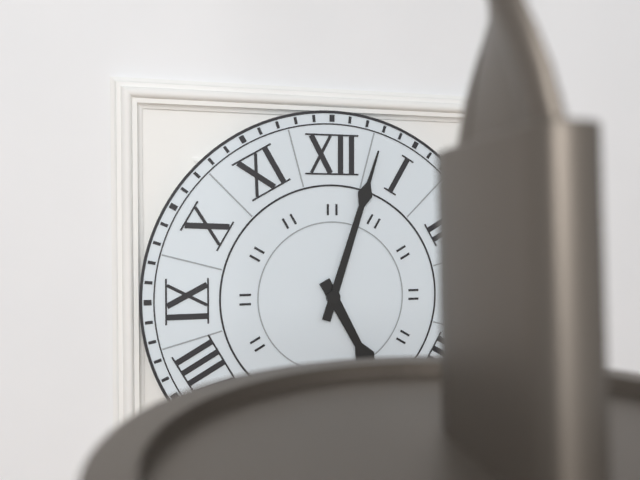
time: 5:03
